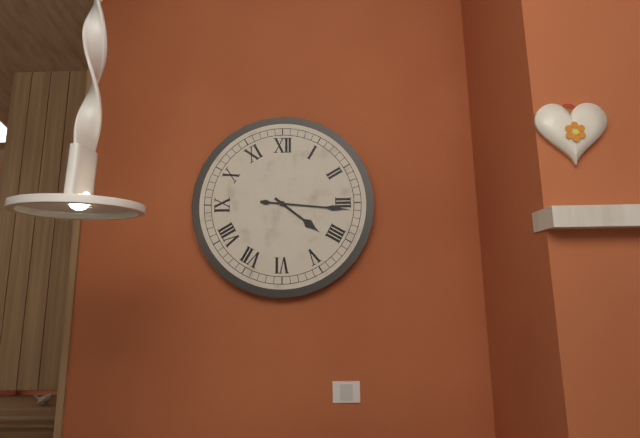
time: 4:16
